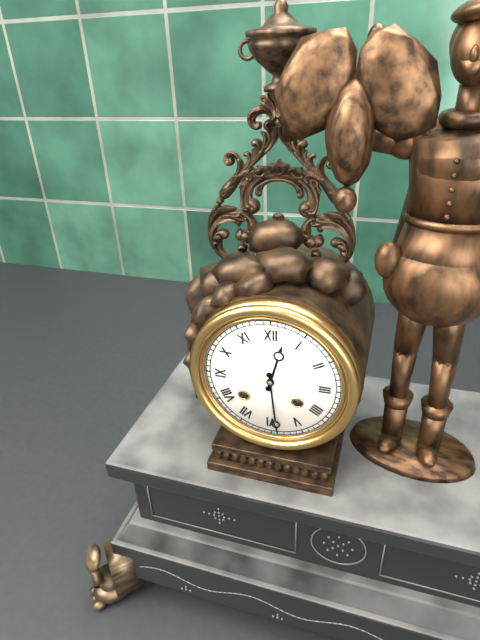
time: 12:29
